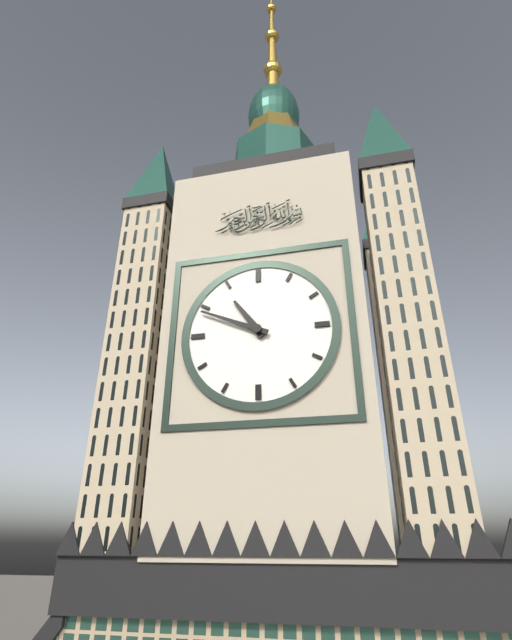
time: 10:49
